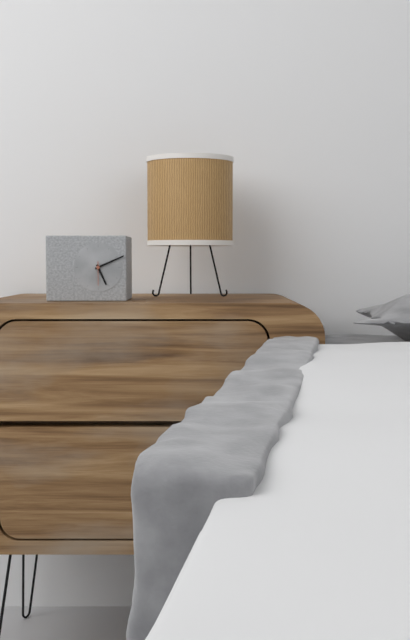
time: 5:11
